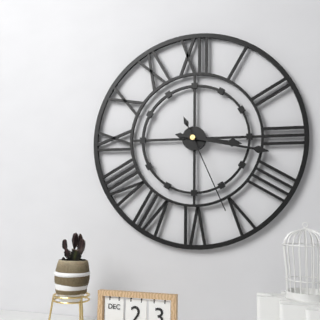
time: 3:17:26
